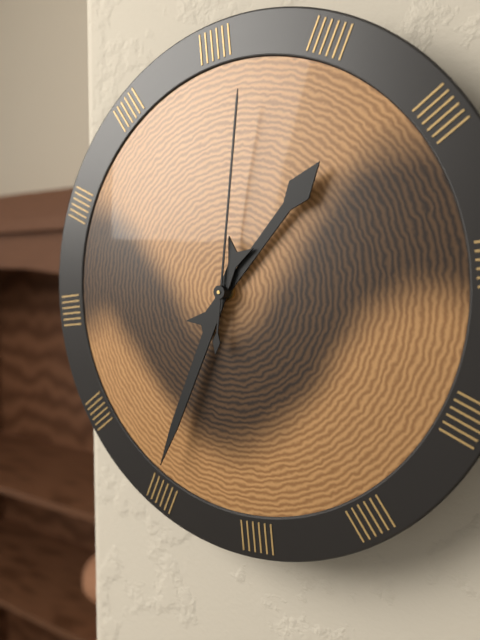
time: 1:35:02
